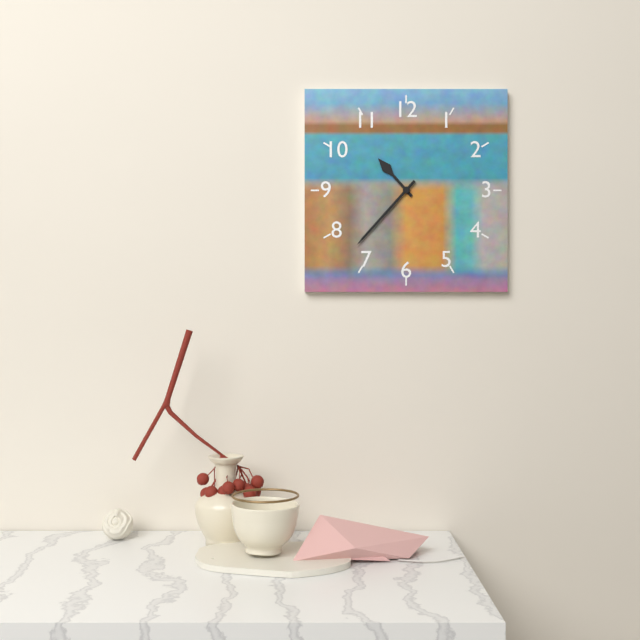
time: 10:37
